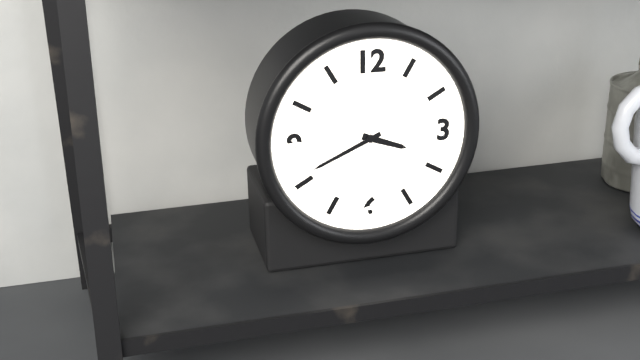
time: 3:41
